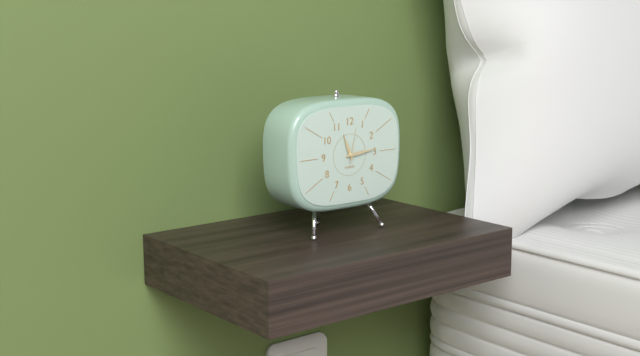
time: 11:14
